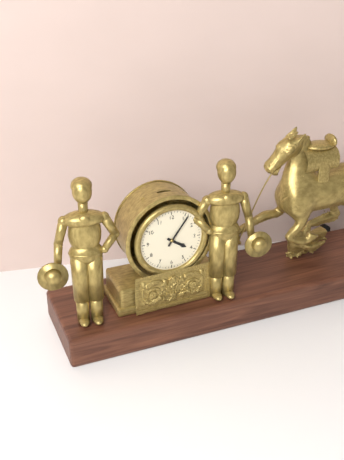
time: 4:06
